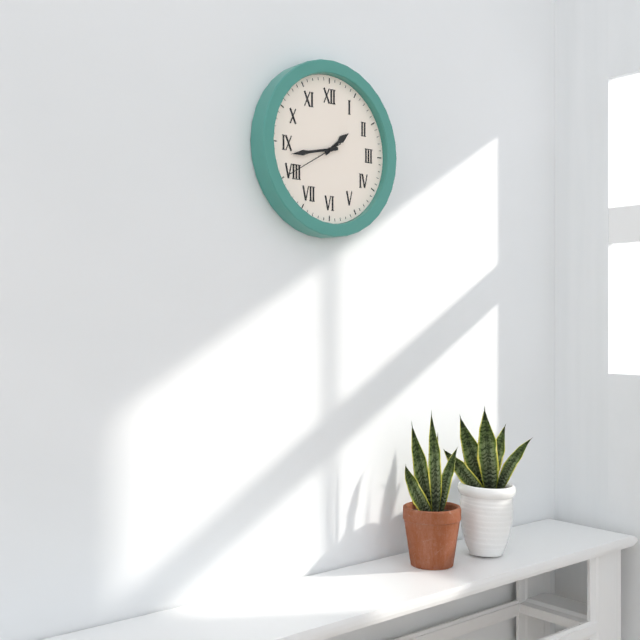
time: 1:43:40
